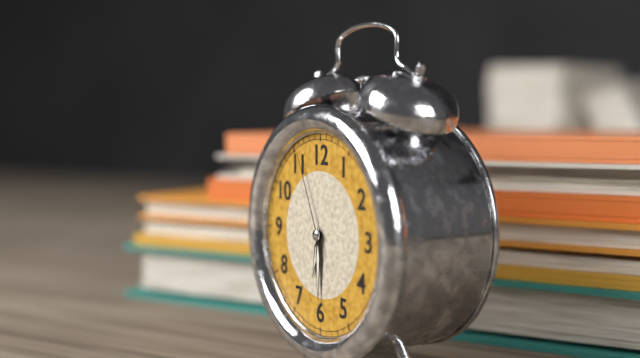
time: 6:30:56
